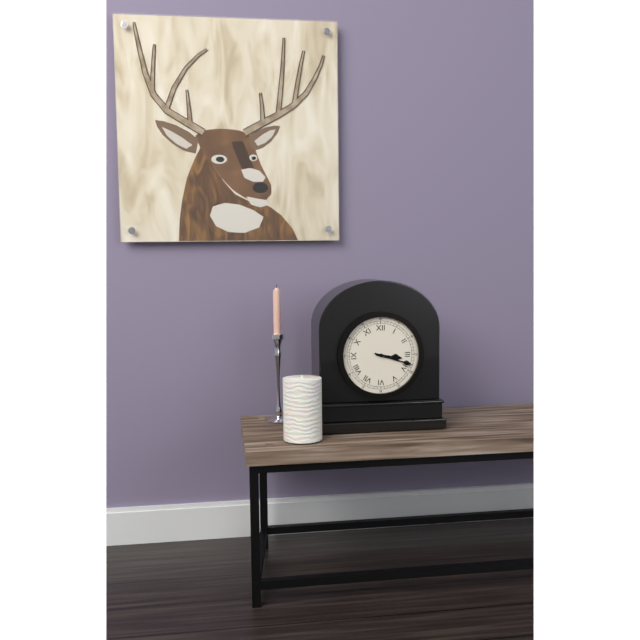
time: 3:18
